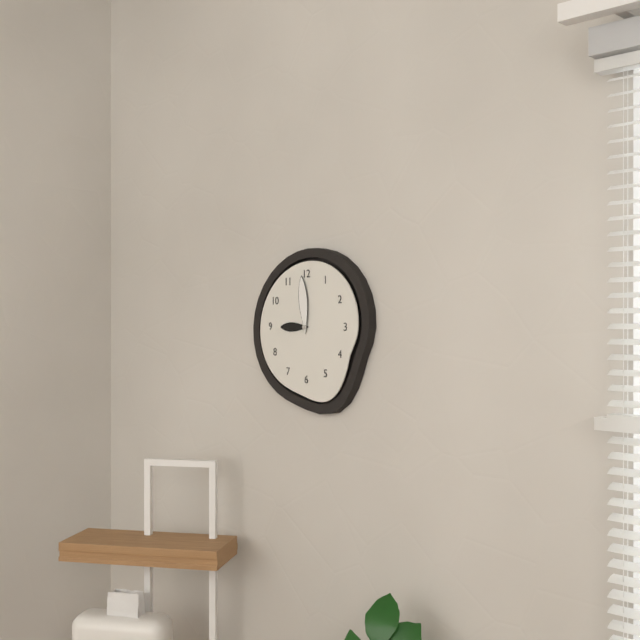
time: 8:59
